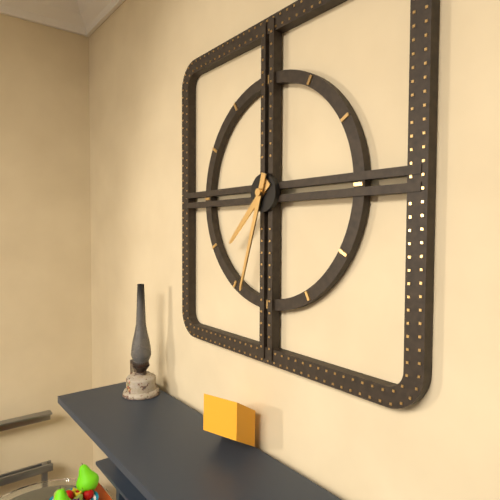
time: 7:33
